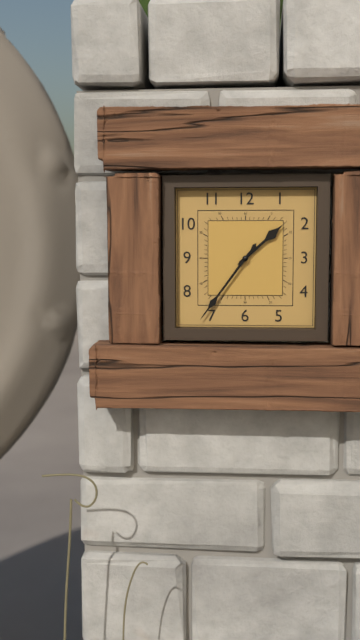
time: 1:36
